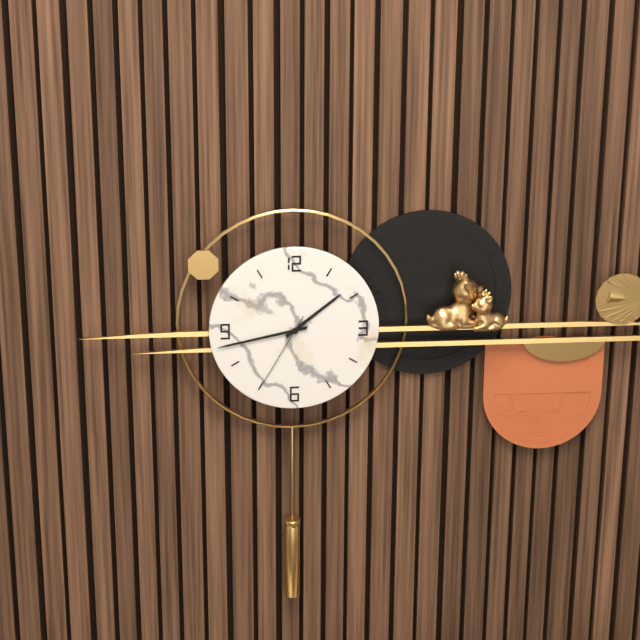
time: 1:43:35
